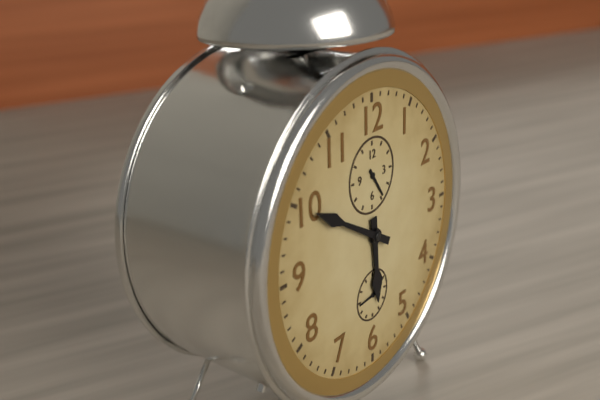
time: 5:50
